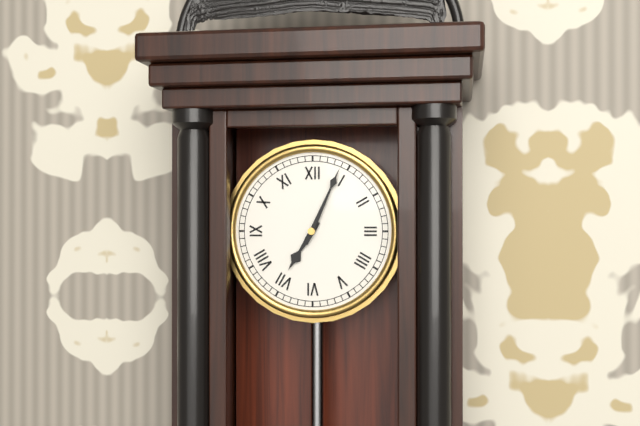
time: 7:04
